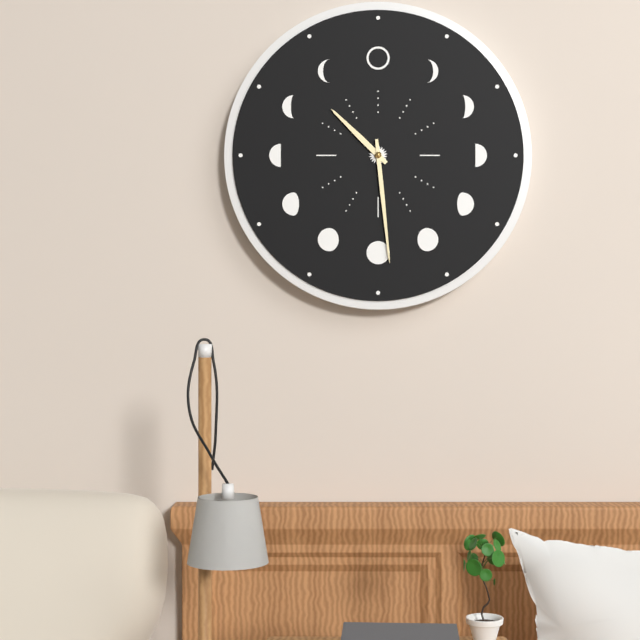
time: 10:29
